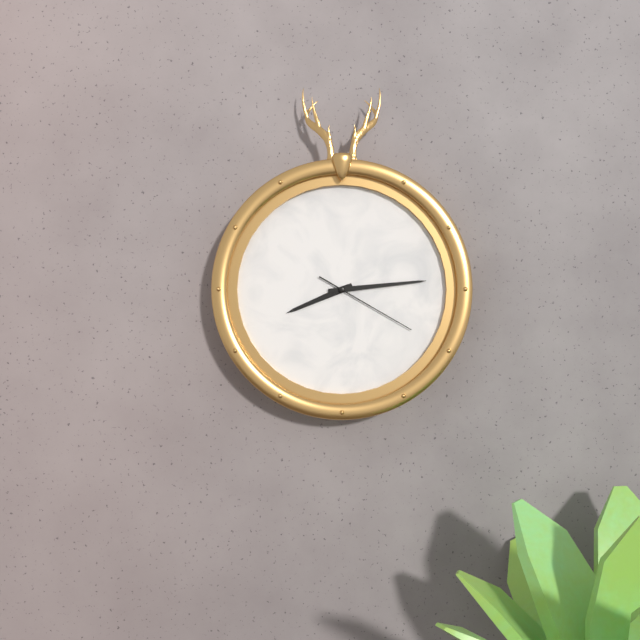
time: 8:14:20
